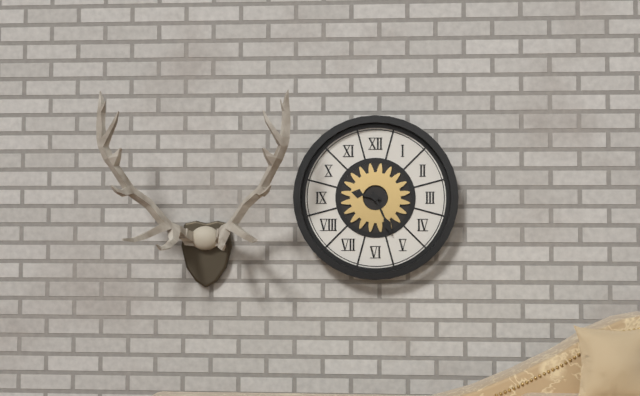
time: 9:26
